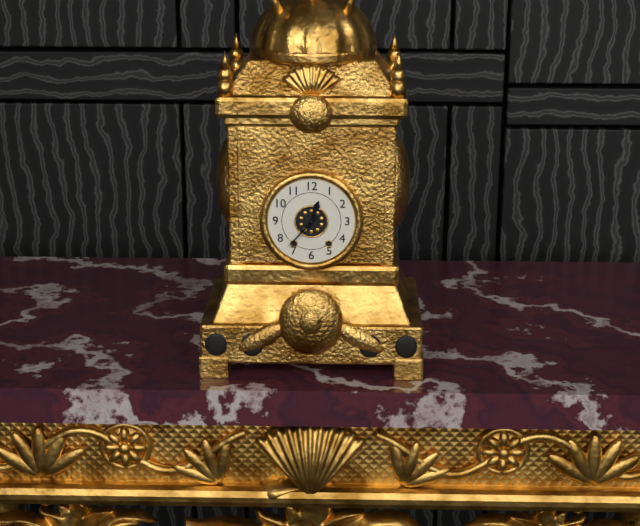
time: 12:37
